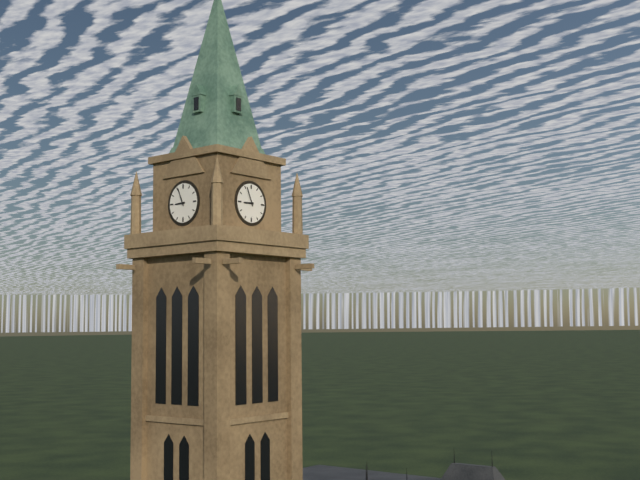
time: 8:56
